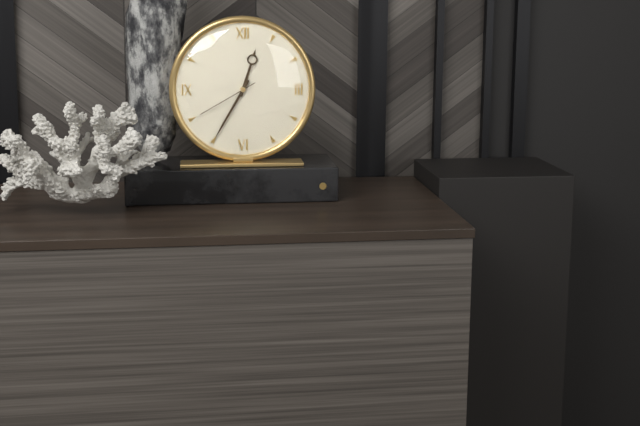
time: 12:35:40
